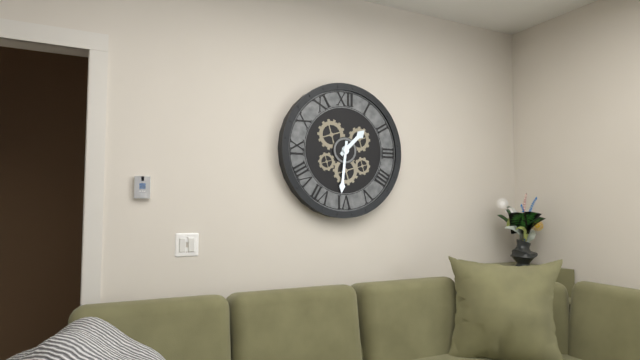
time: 1:31
